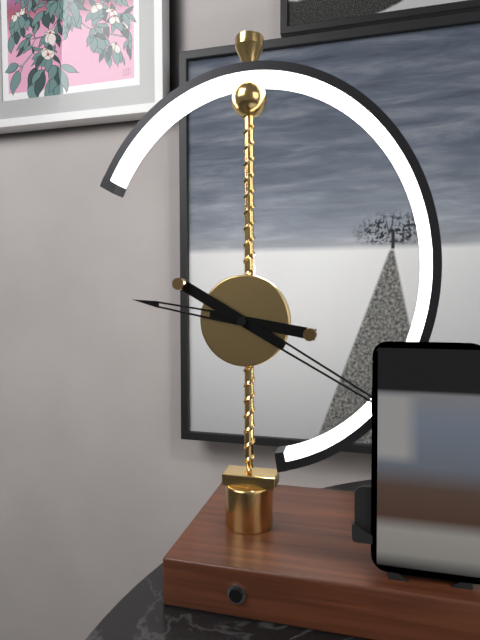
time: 9:20
